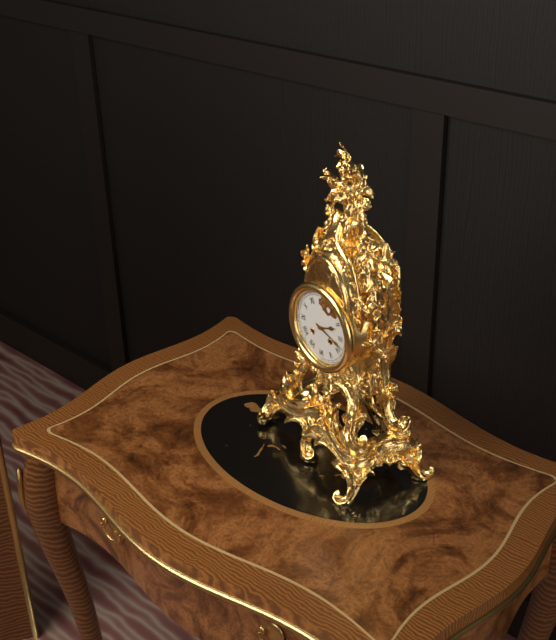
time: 2:18
